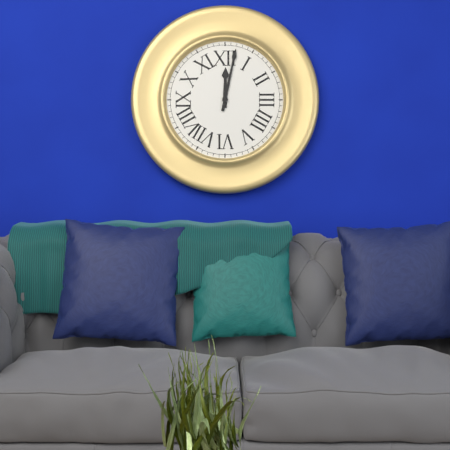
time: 12:02
